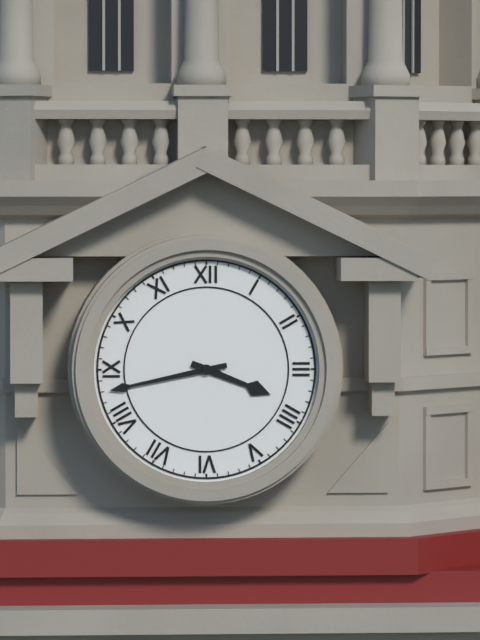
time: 3:43
